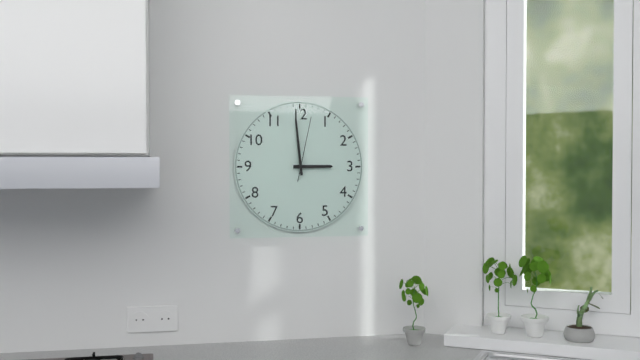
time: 2:59:02
